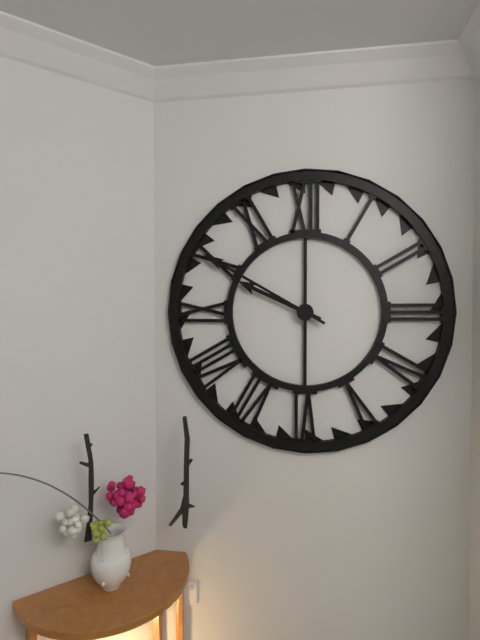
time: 9:50
